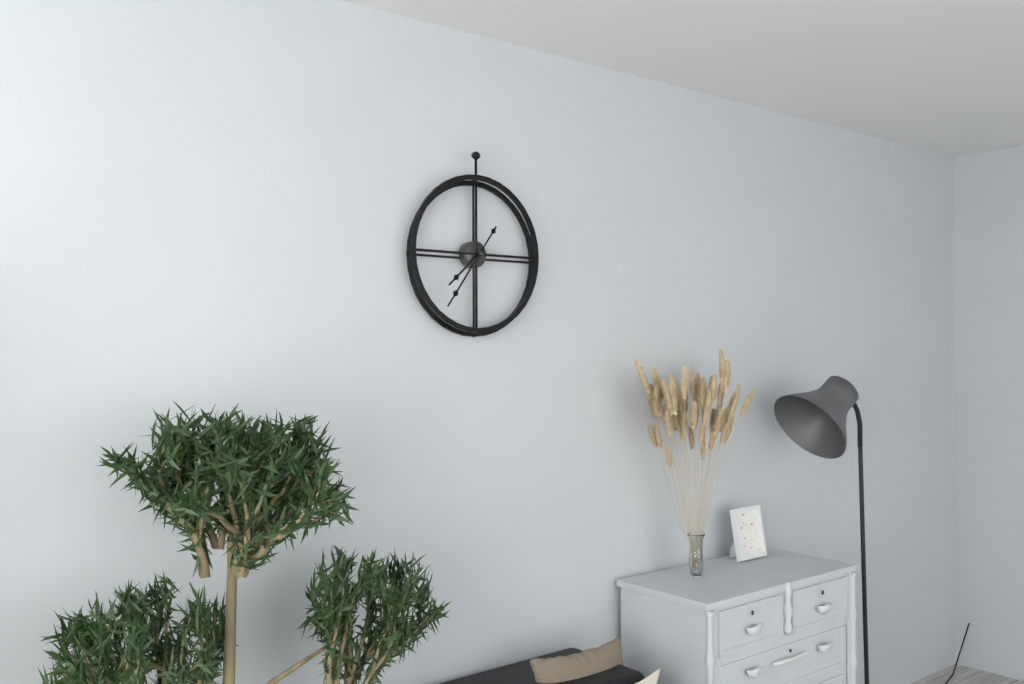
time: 7:36
